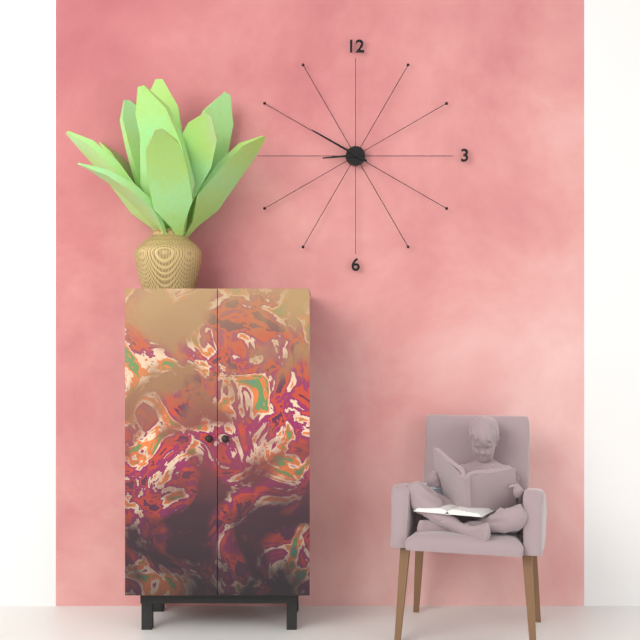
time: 8:50
